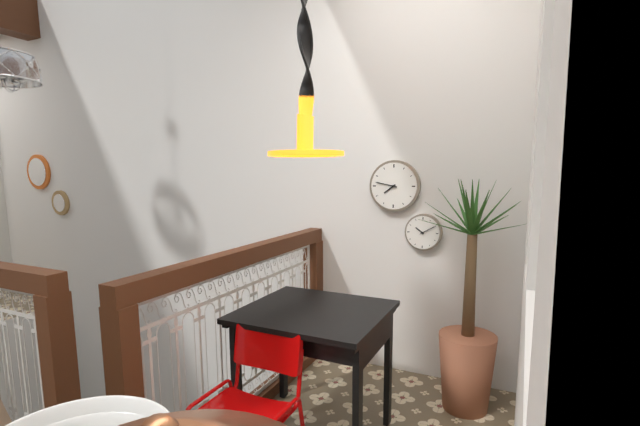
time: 7:47
